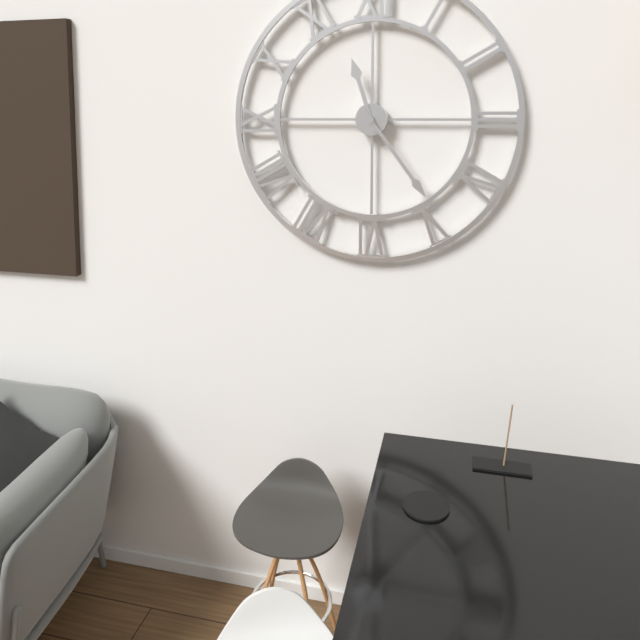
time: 11:24
